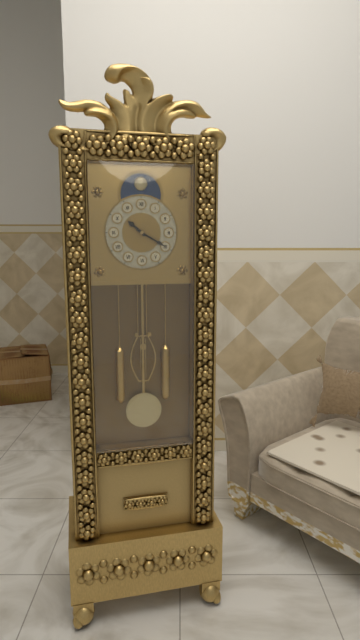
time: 10:20
